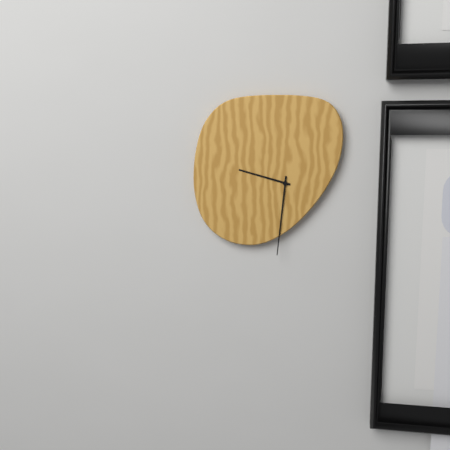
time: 9:31
